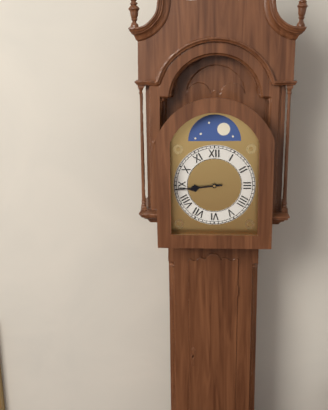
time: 8:44
